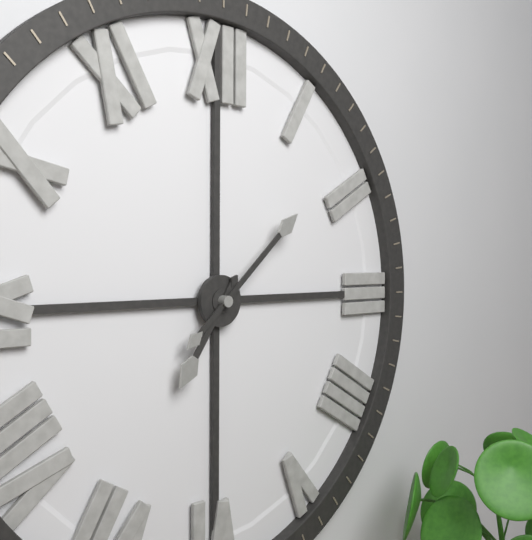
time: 7:08
